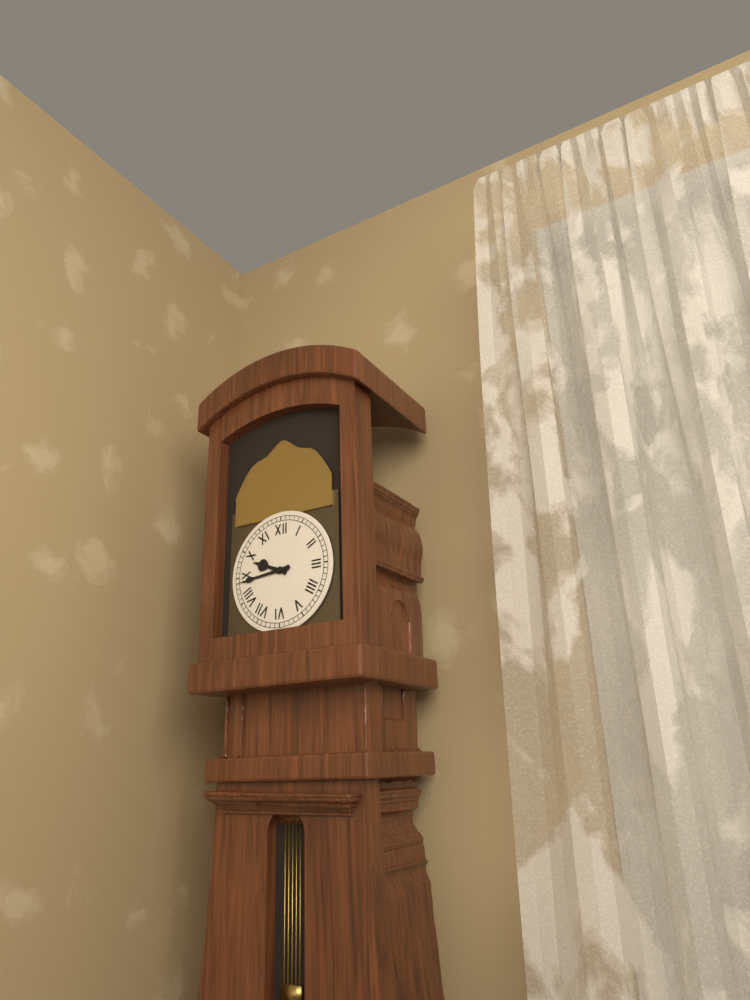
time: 9:44
